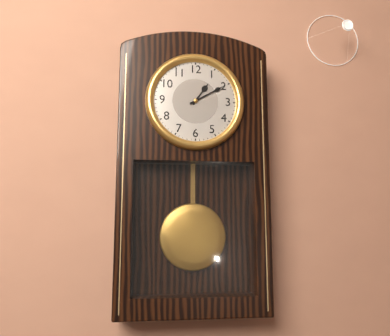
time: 1:10
